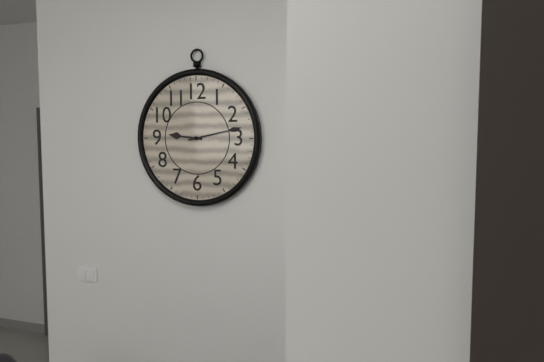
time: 9:13
